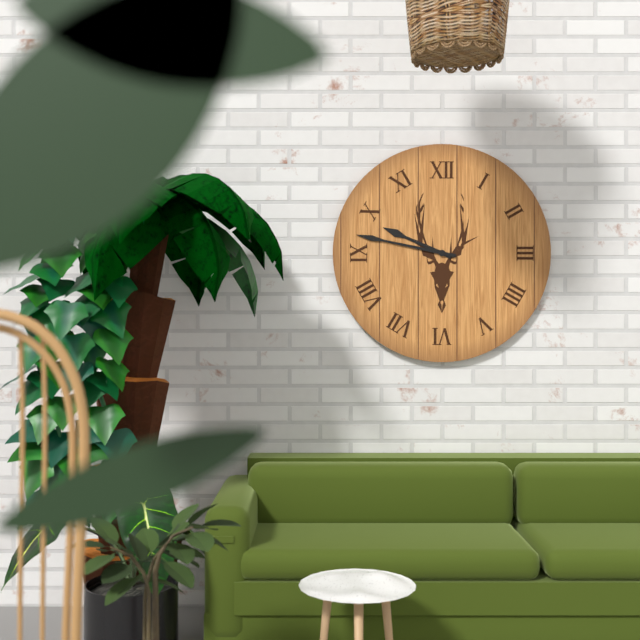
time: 9:47
